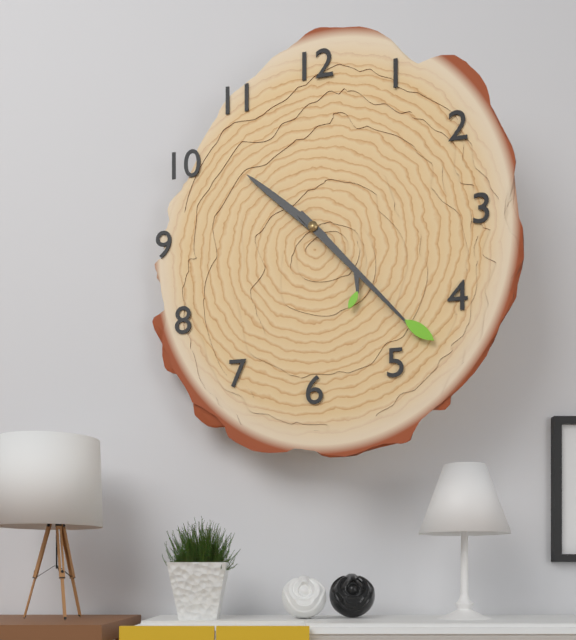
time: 10:23
